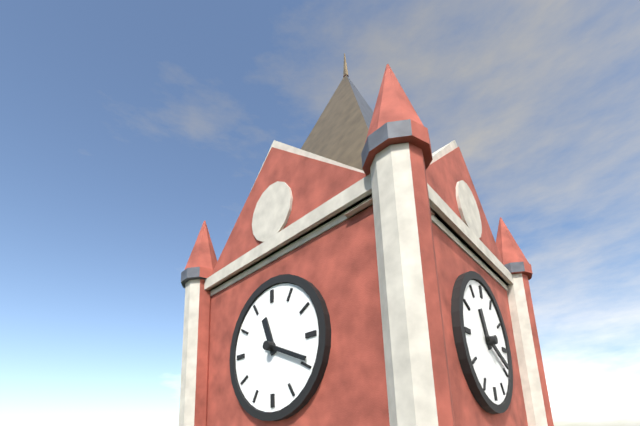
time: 11:19
